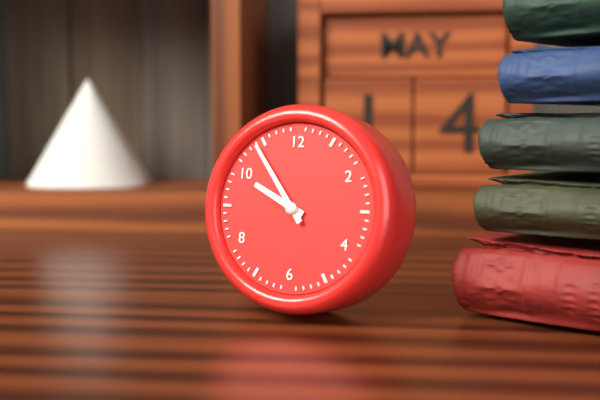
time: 9:54
